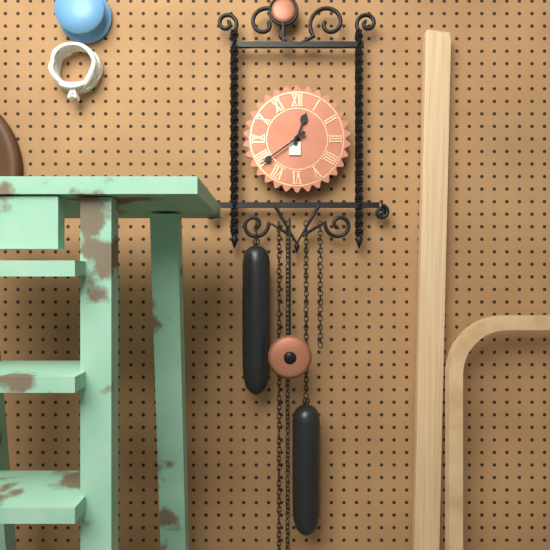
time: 12:39
